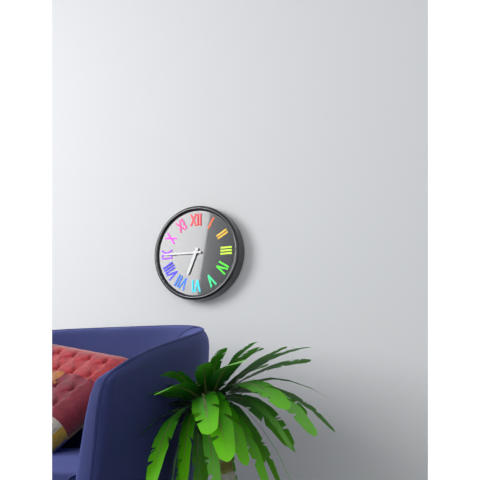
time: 6:45
